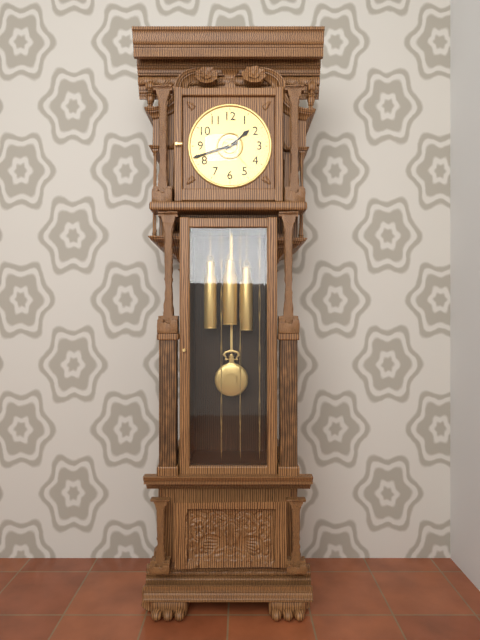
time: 1:42
